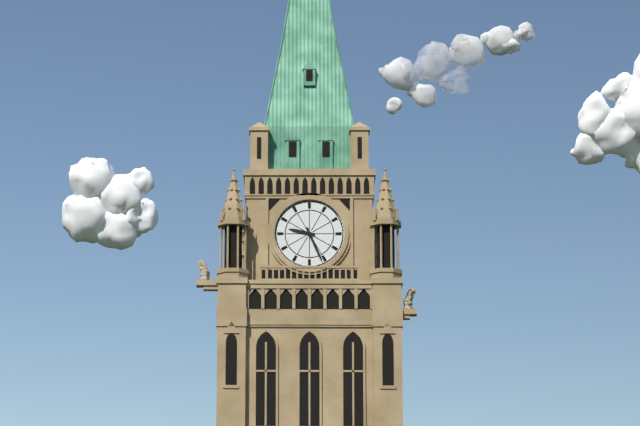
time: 9:26
